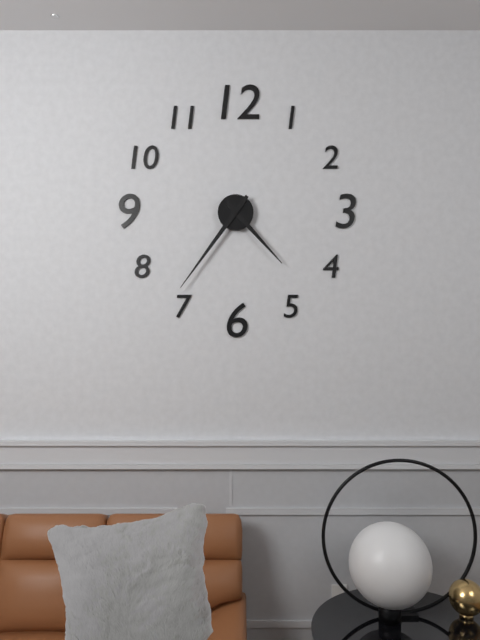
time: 4:36
